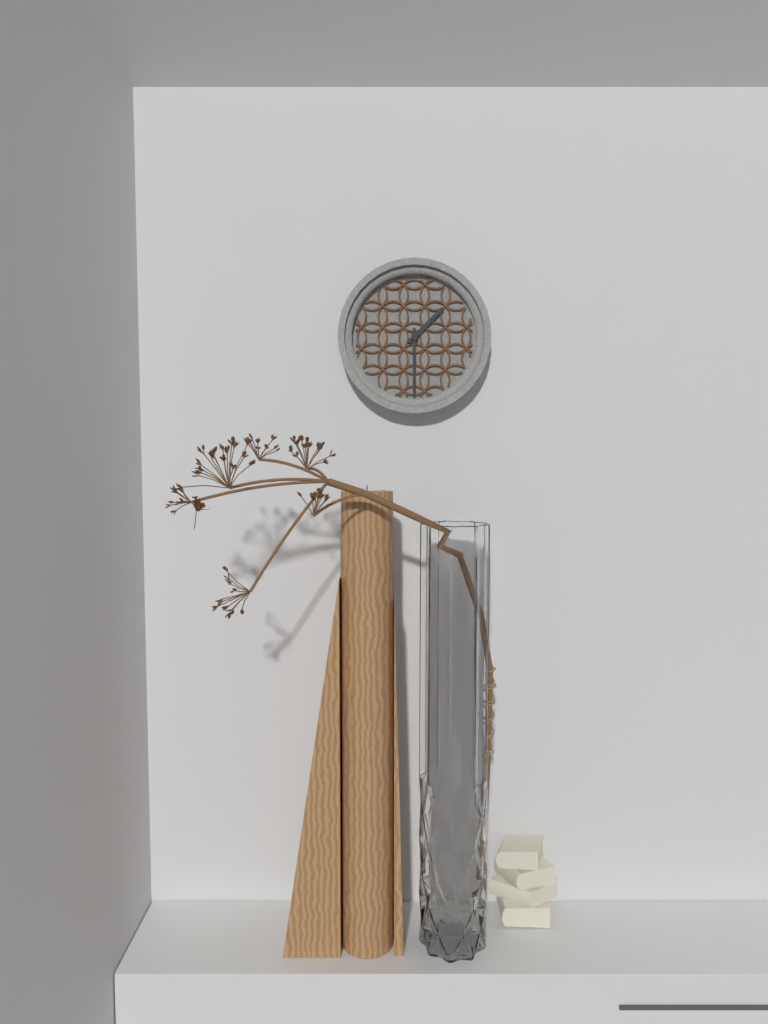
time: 1:30
